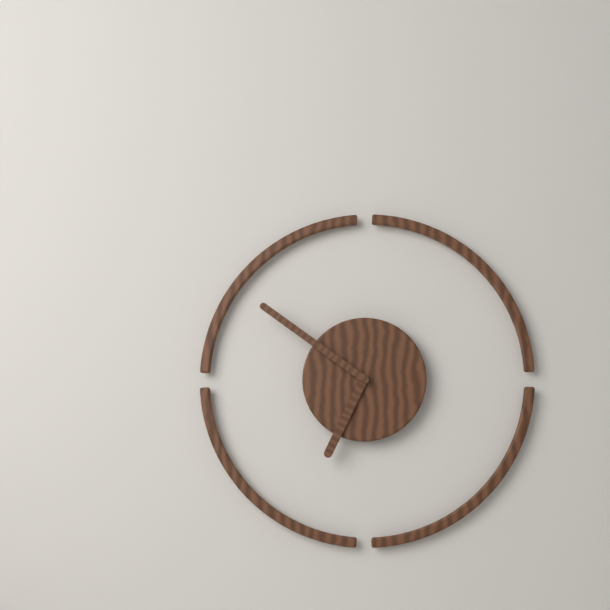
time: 6:51
